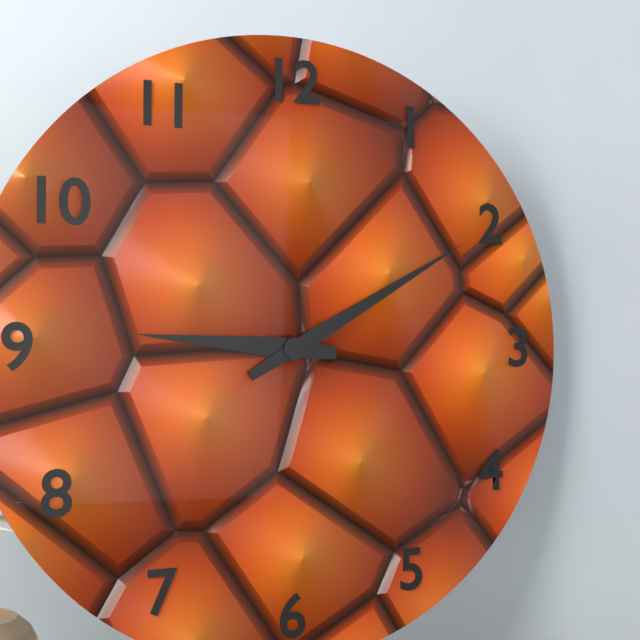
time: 9:10
